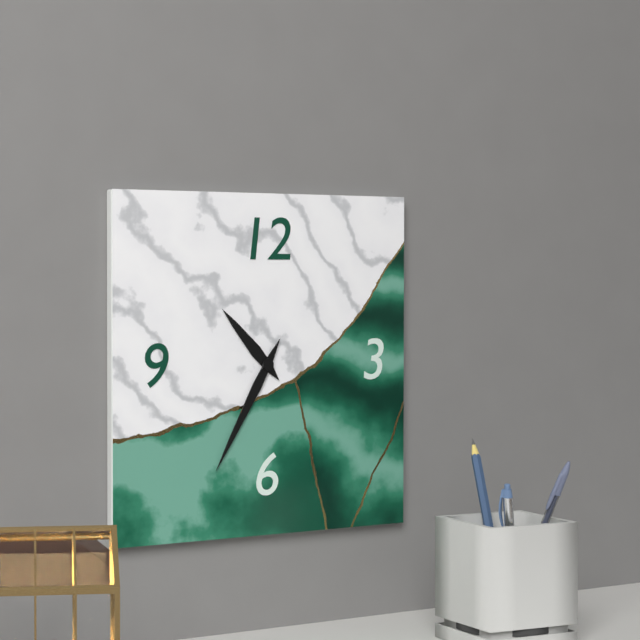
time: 10:35
